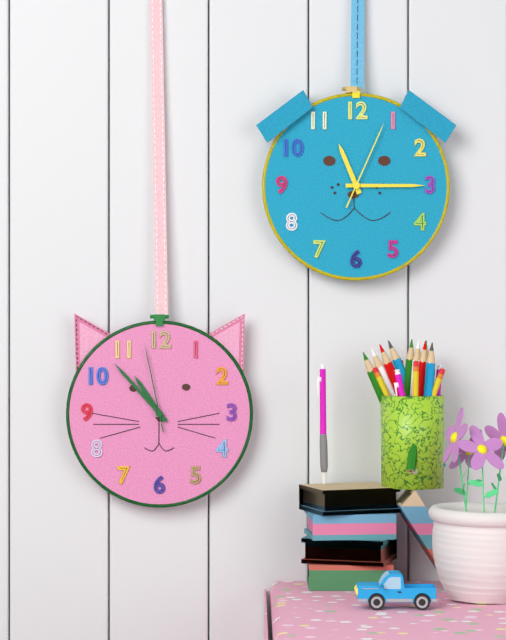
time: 10:53:58
